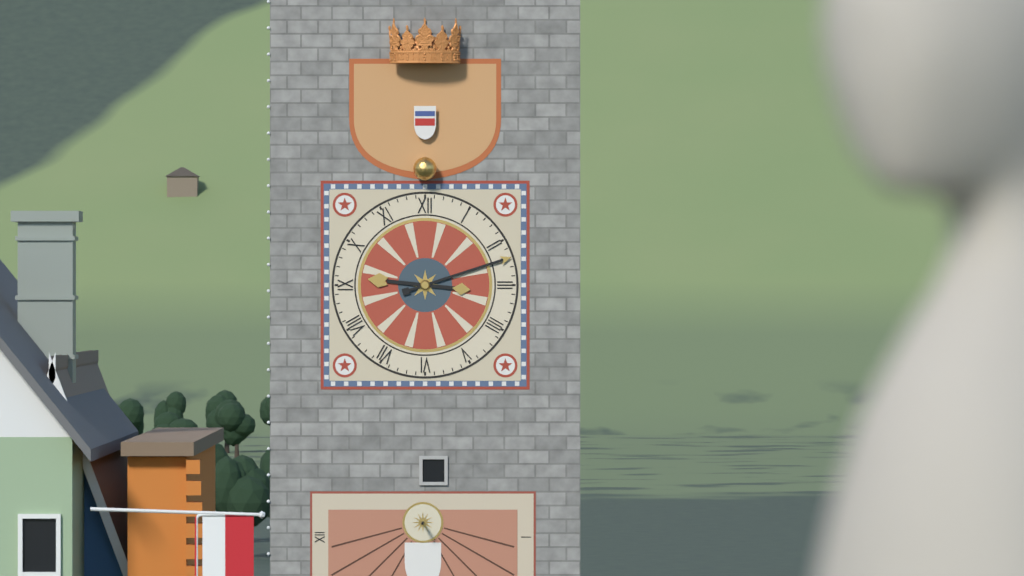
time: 9:12
